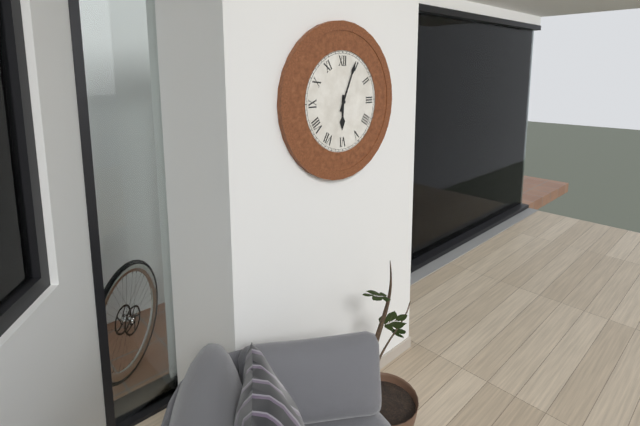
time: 6:04
